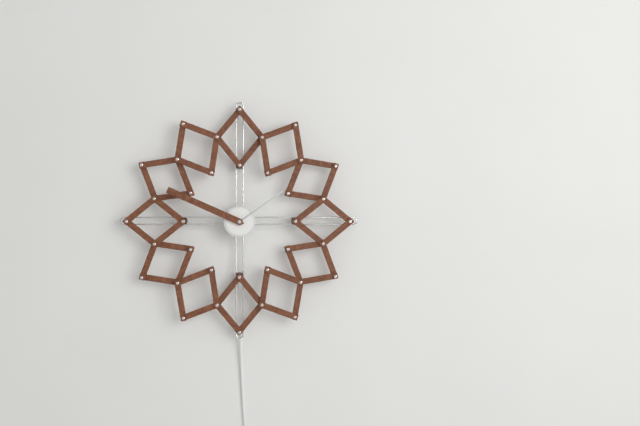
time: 1:49
